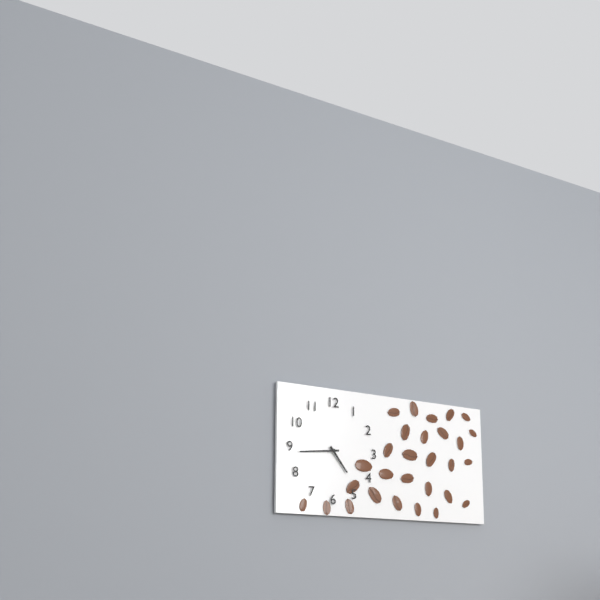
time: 4:44
